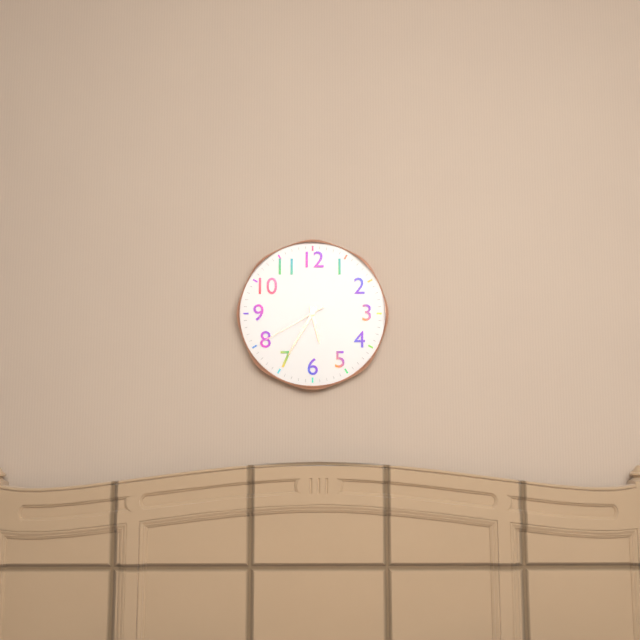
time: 5:35:40
